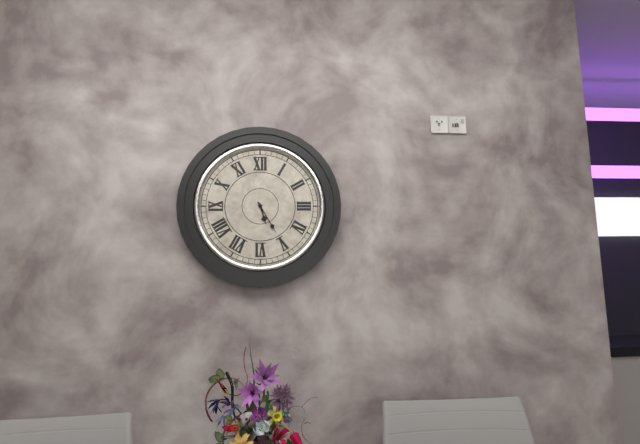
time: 5:25
